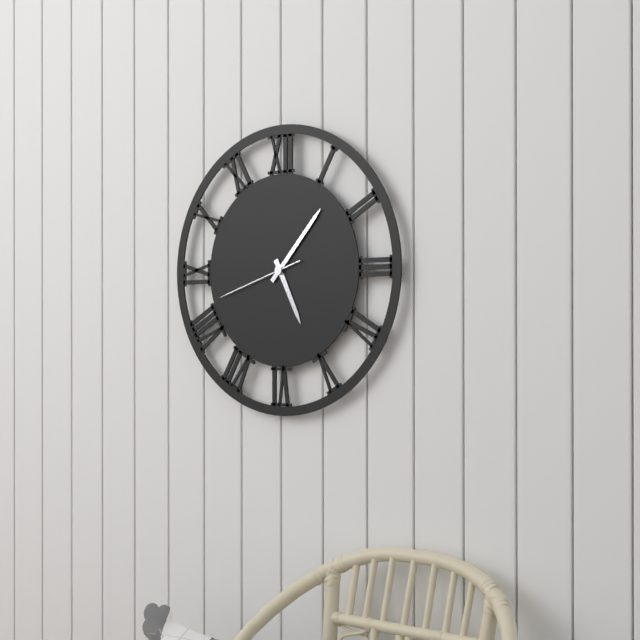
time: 5:07:42
